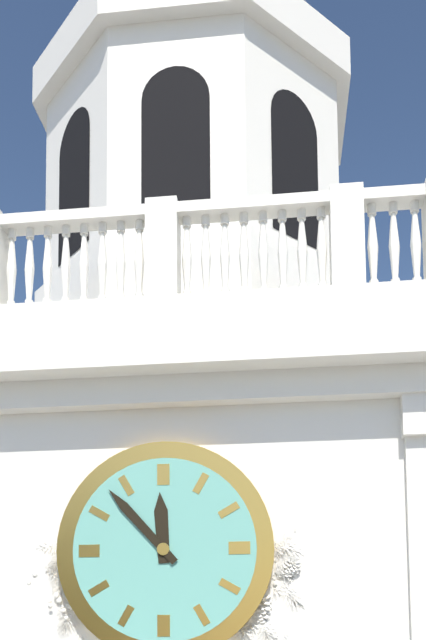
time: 11:53
